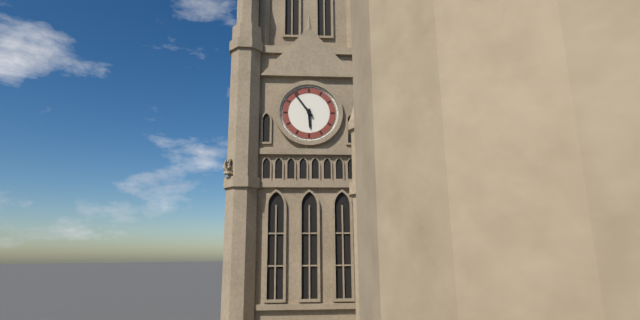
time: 5:54
